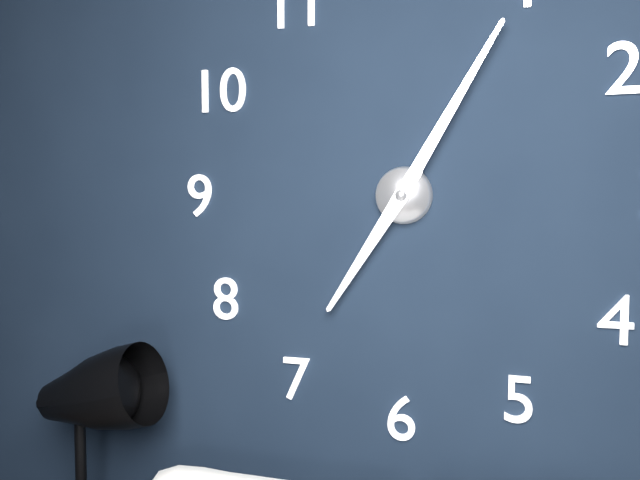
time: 7:05
